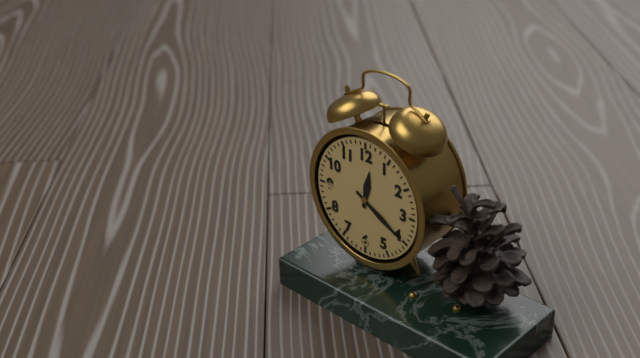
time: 12:20
